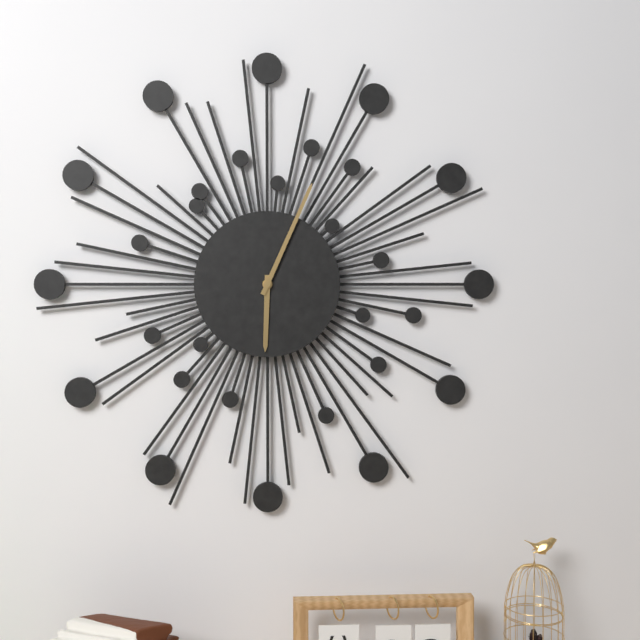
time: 6:04
